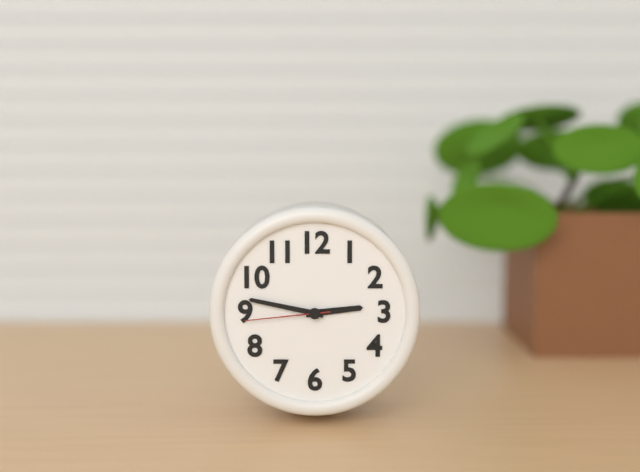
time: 2:47:44
